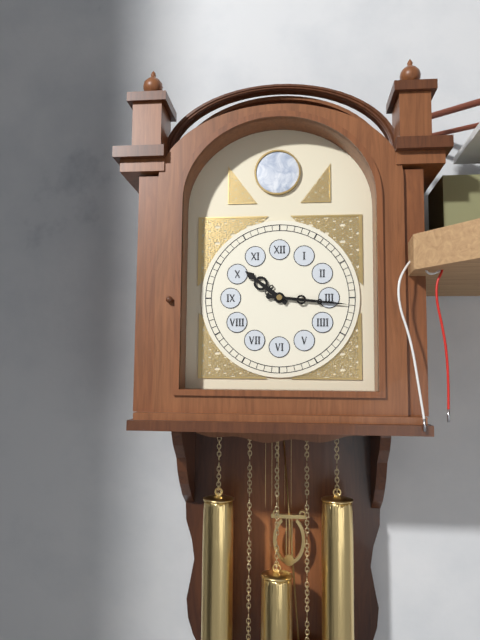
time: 10:16
